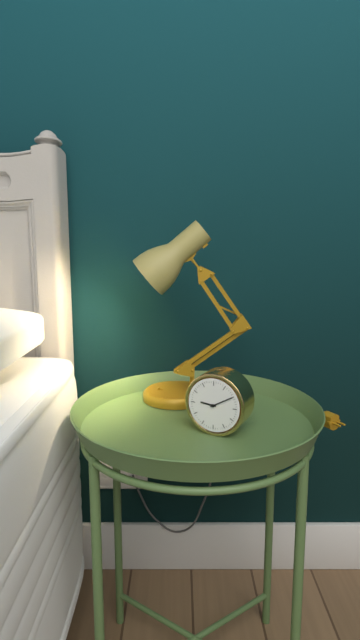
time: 9:10
